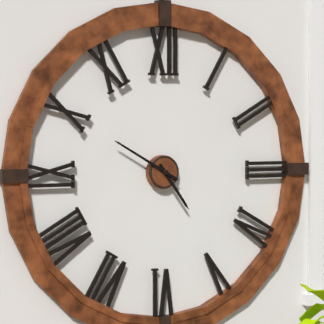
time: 4:50
